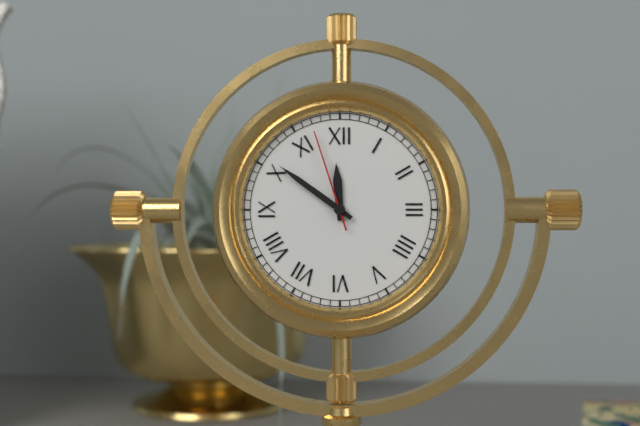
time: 11:51:57
